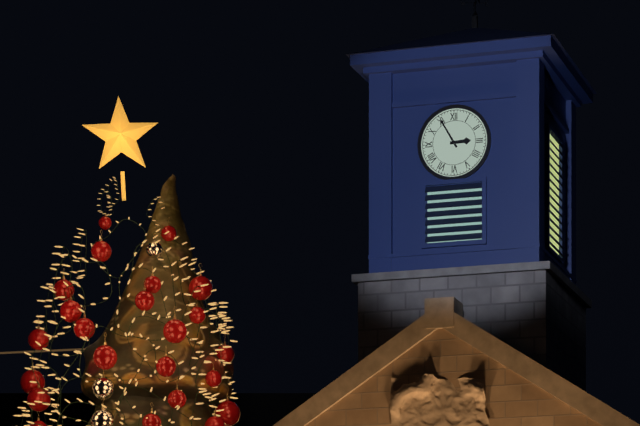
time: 2:55
